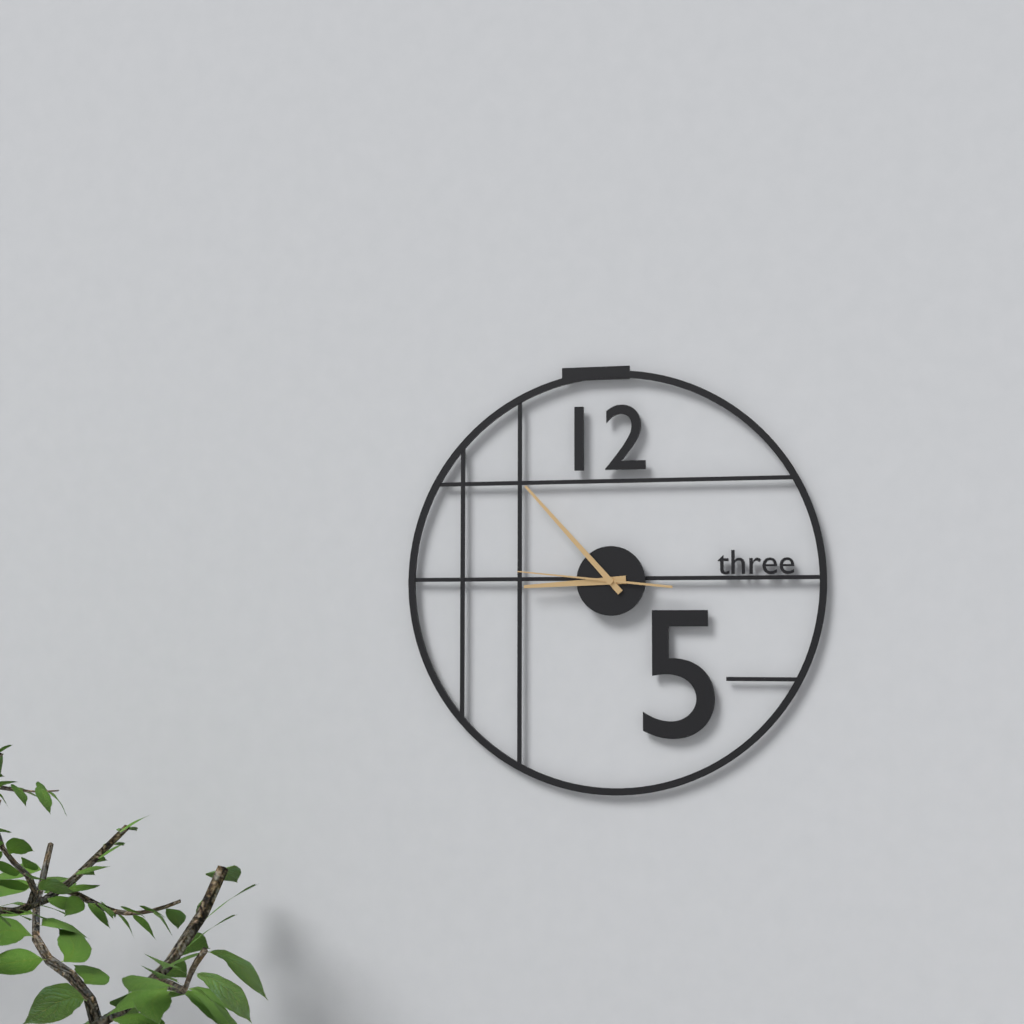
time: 8:53:46
